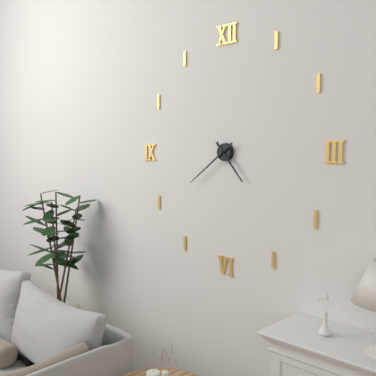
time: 4:39
